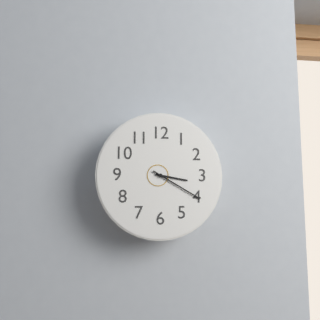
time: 3:20
